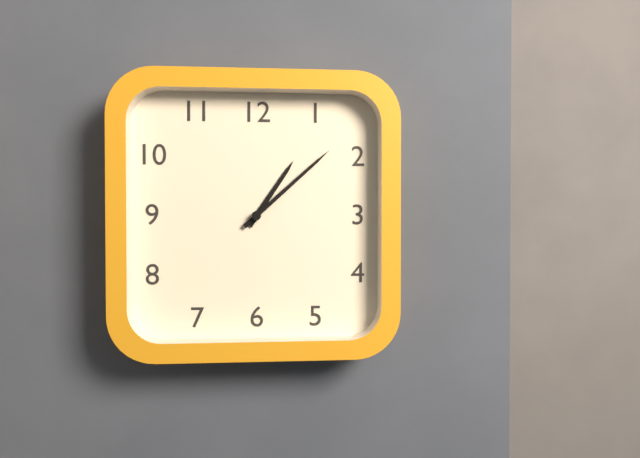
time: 1:08
